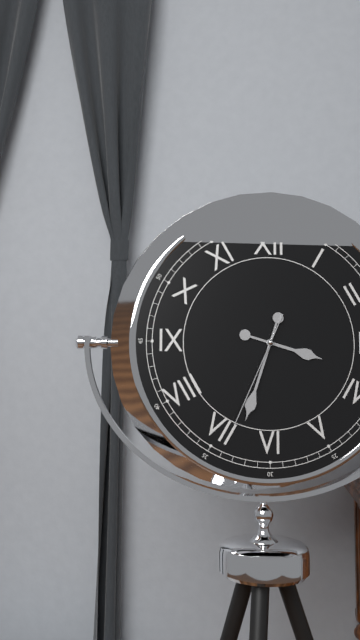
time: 3:33:34
